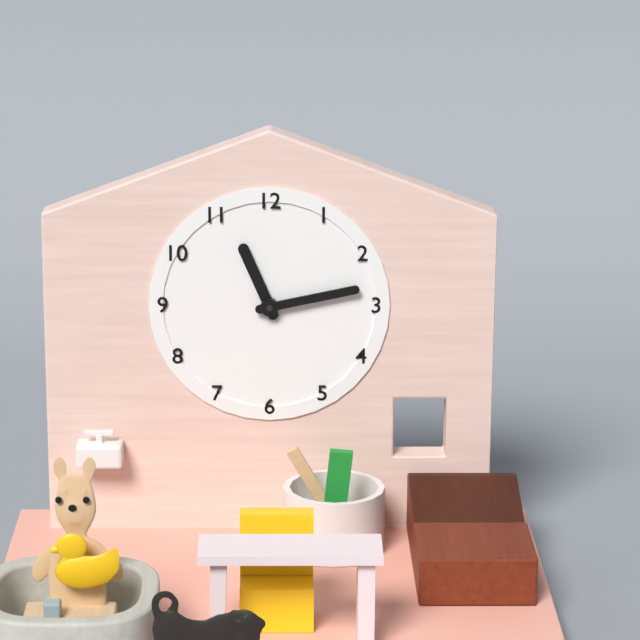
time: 11:13
